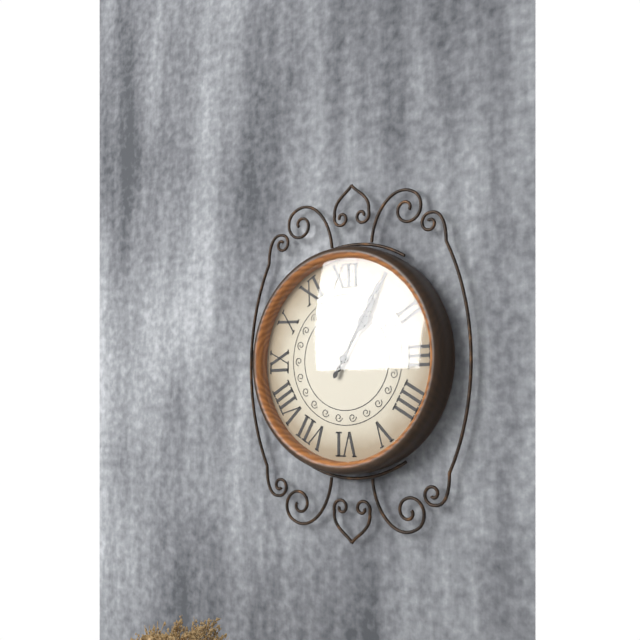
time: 1:05
